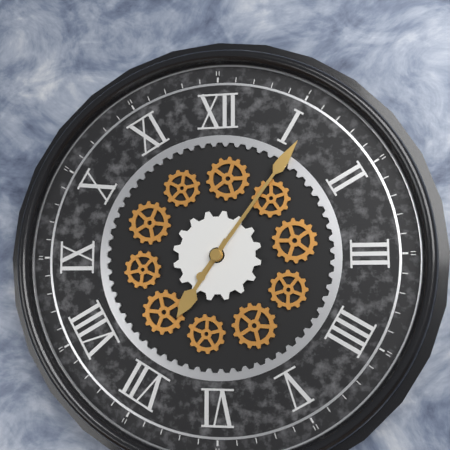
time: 7:06
